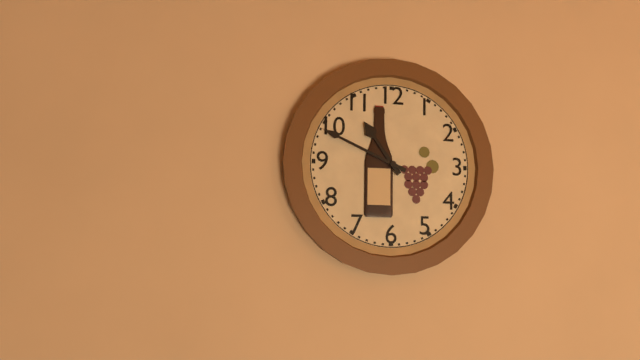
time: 10:49
